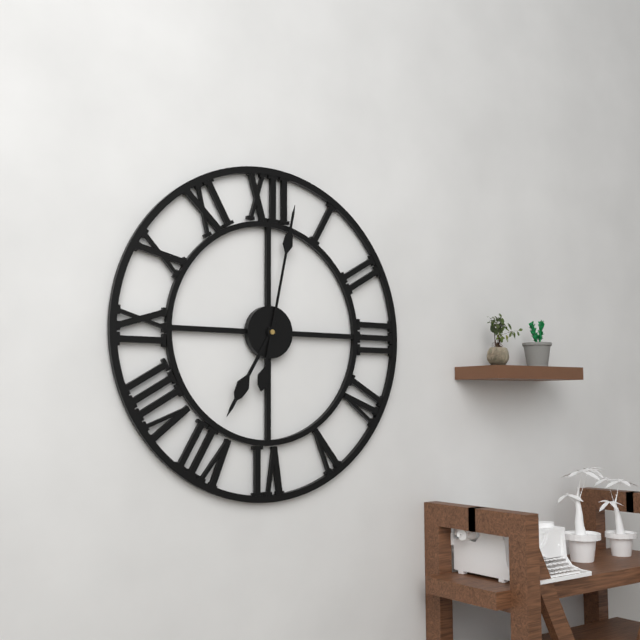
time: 7:02
